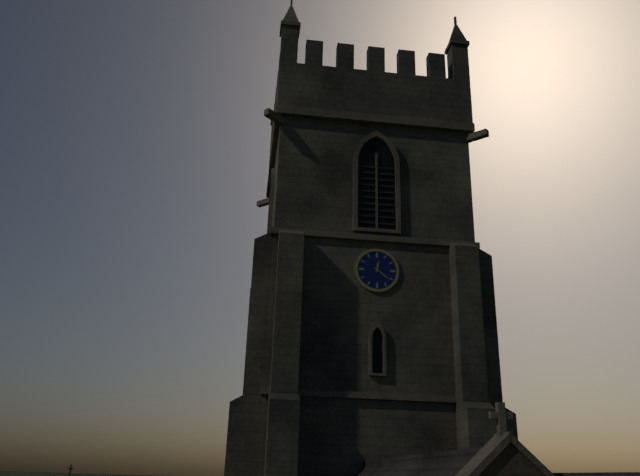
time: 12:21
